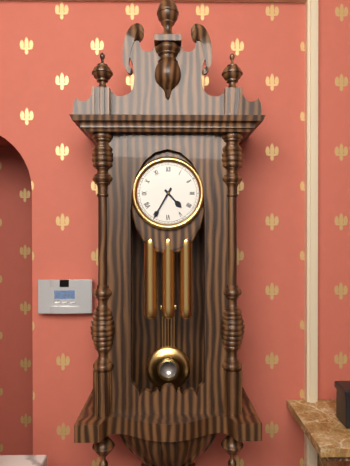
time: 4:35
